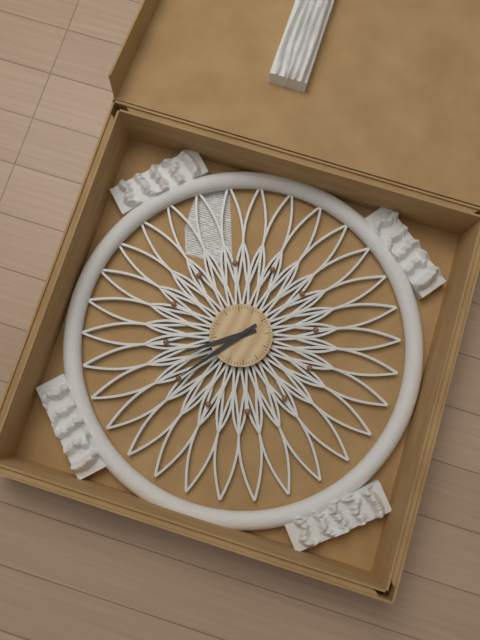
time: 7:35
